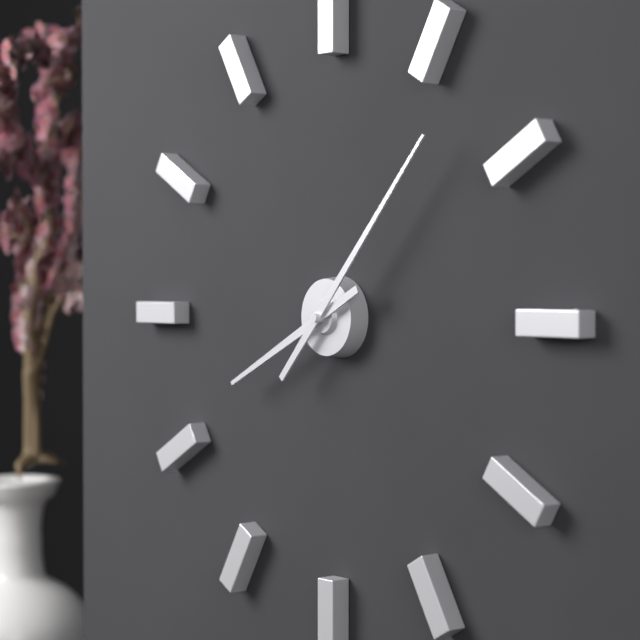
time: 8:07
